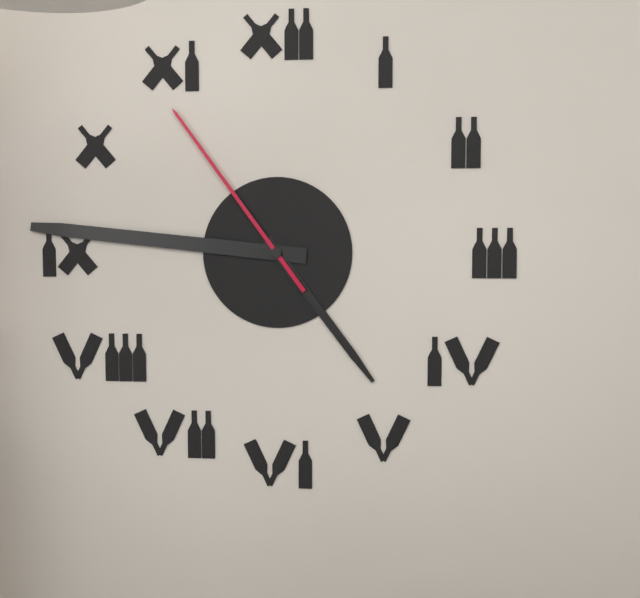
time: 4:46:54
